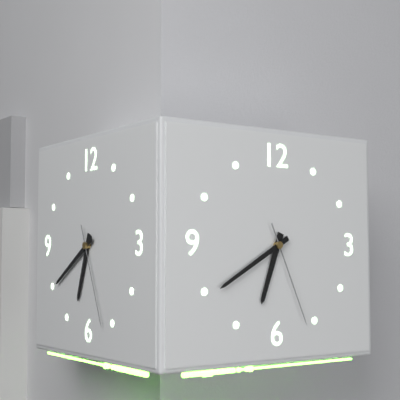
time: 6:40:26
